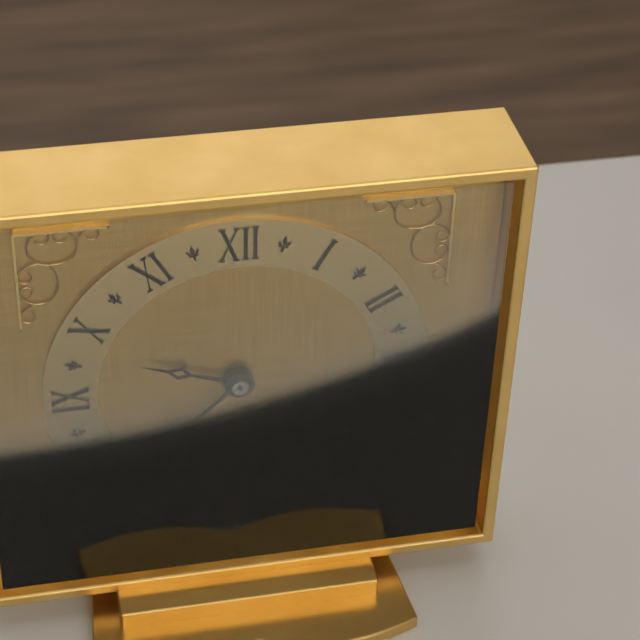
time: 9:38
